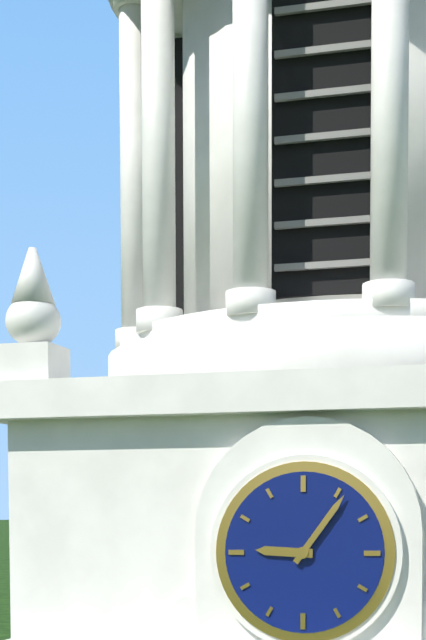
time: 9:06
